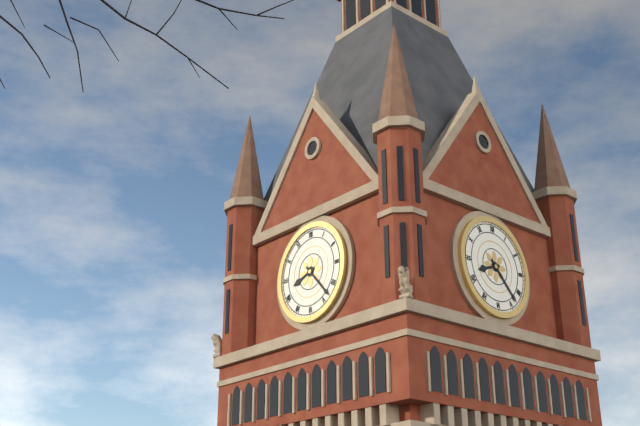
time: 8:23
